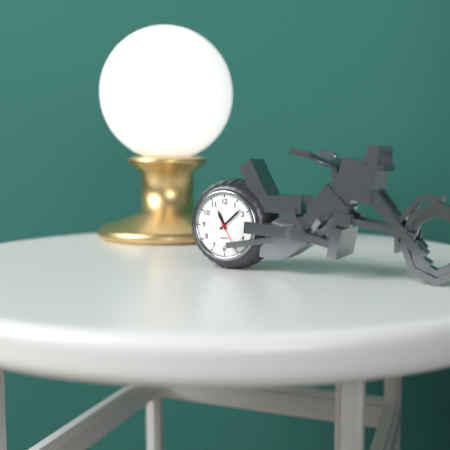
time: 11:08
